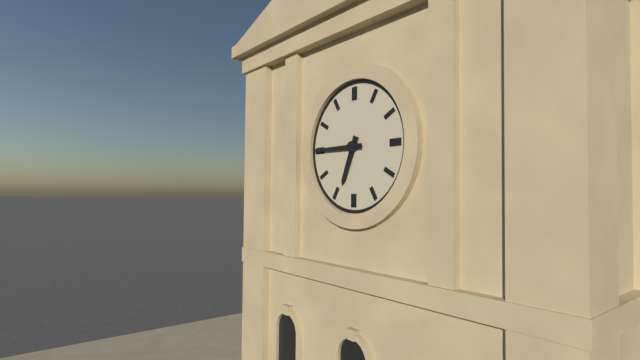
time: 6:45
